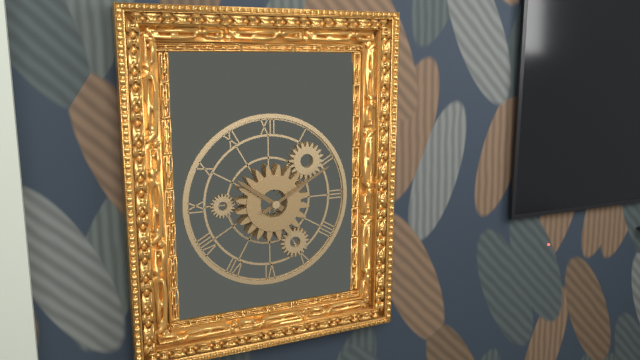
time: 10:10
